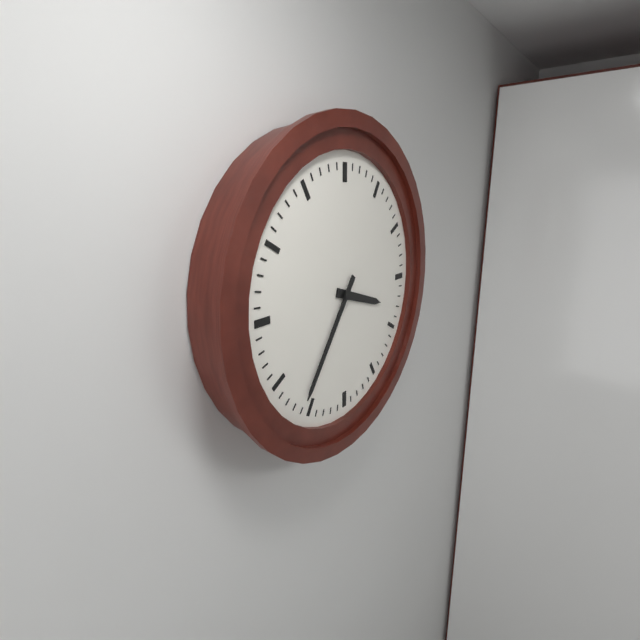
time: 3:36
